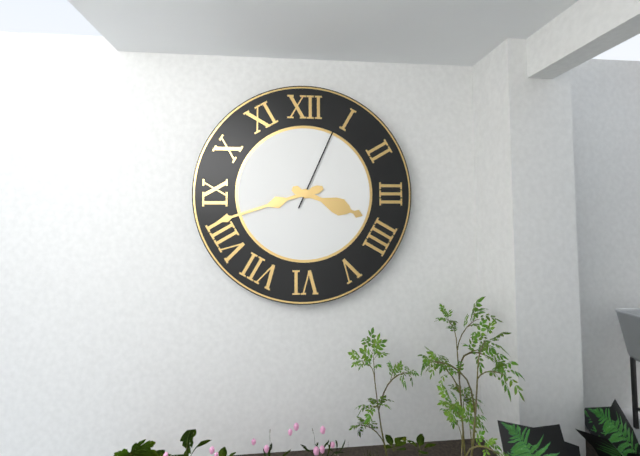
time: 3:42:04
